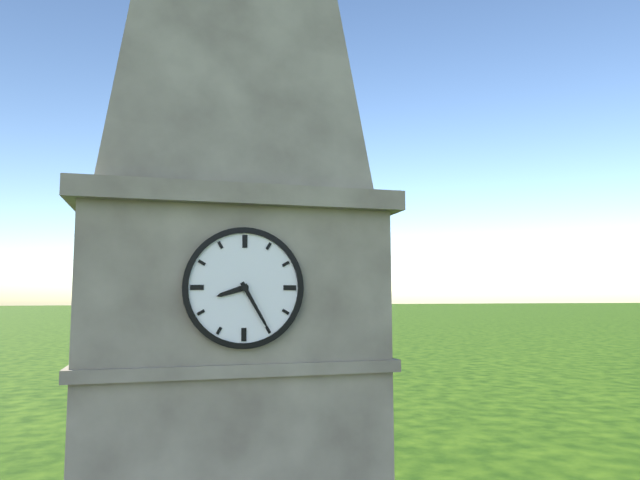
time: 8:25
